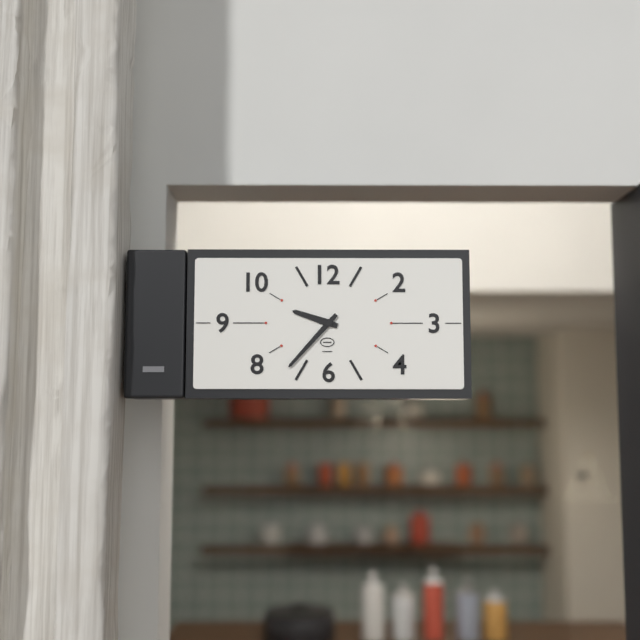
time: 9:37
